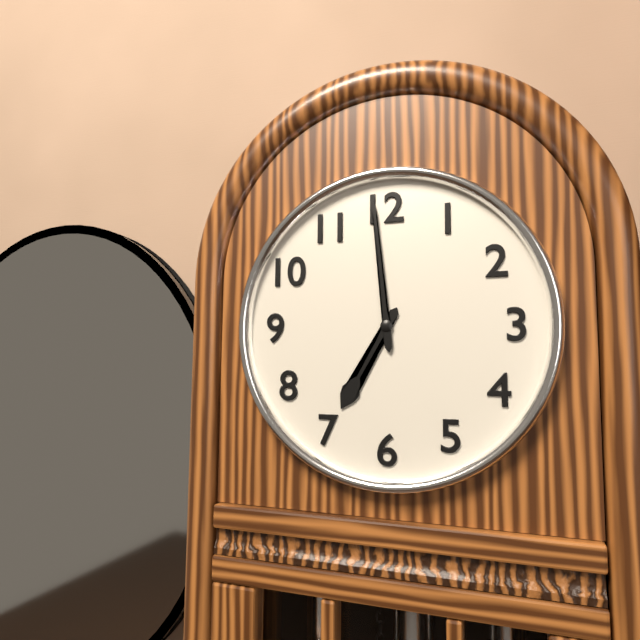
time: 6:59
